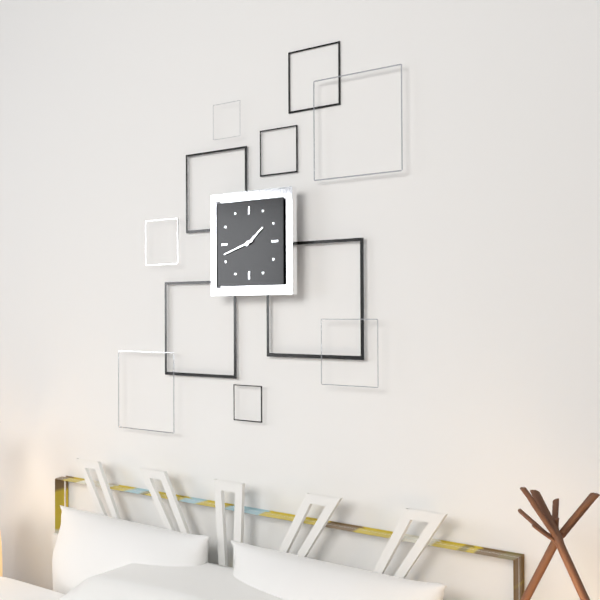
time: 1:42
